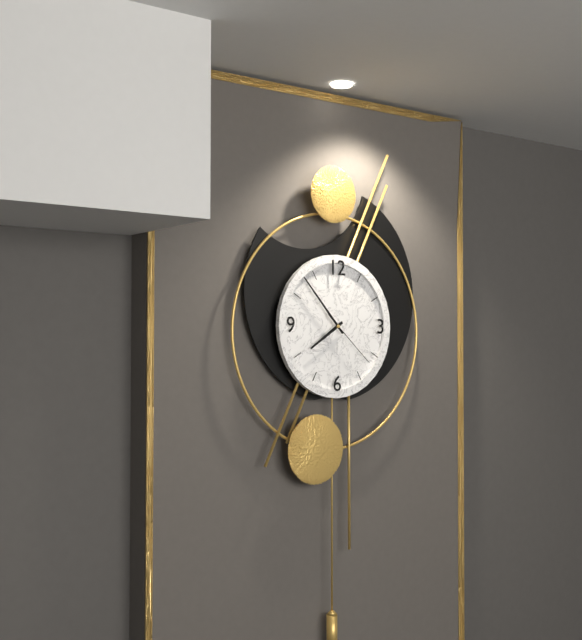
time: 7:53:22
